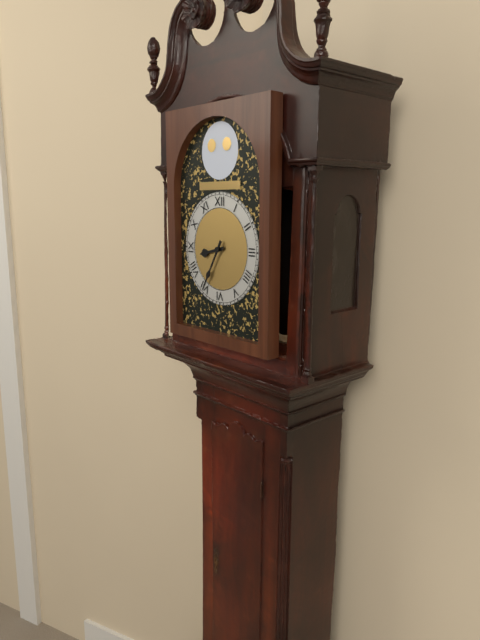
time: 8:35
